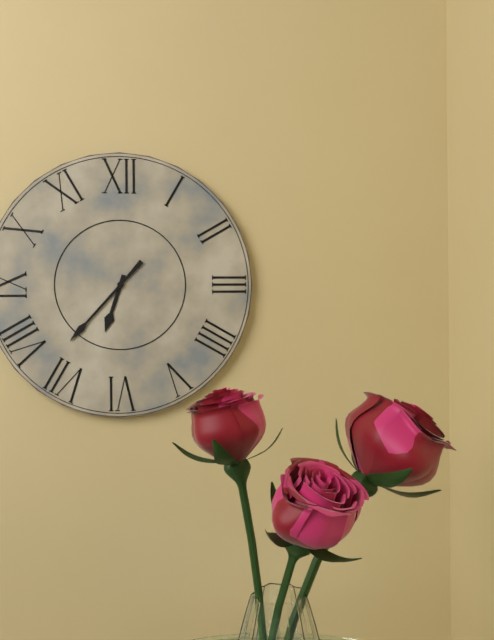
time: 6:37
